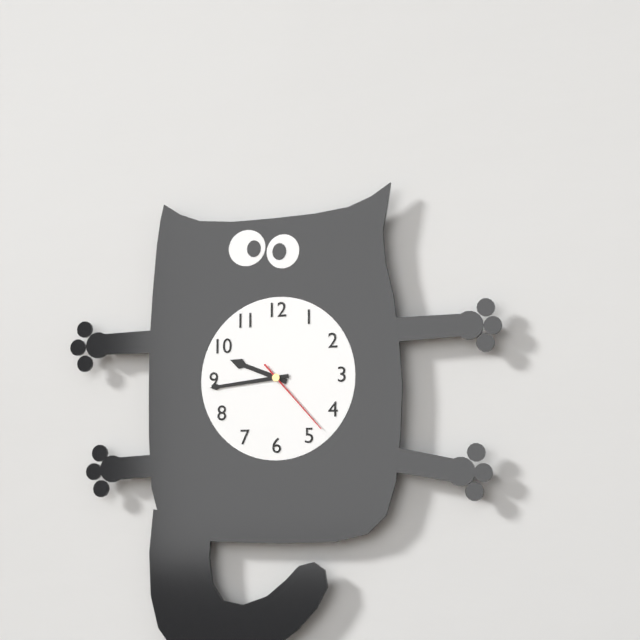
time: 9:44:23
